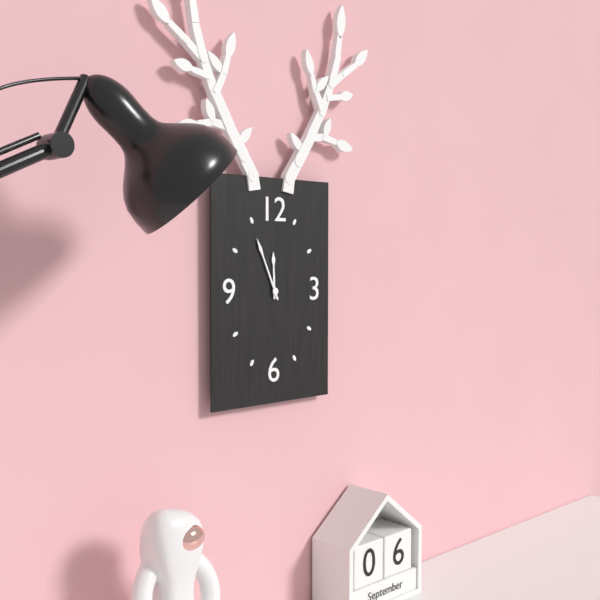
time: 11:56
